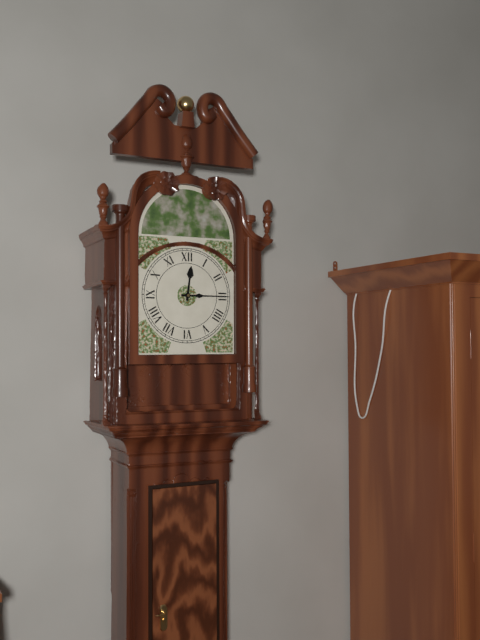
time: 12:15
